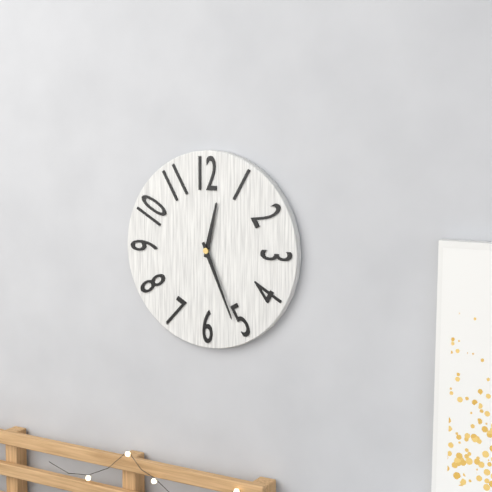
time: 12:26
